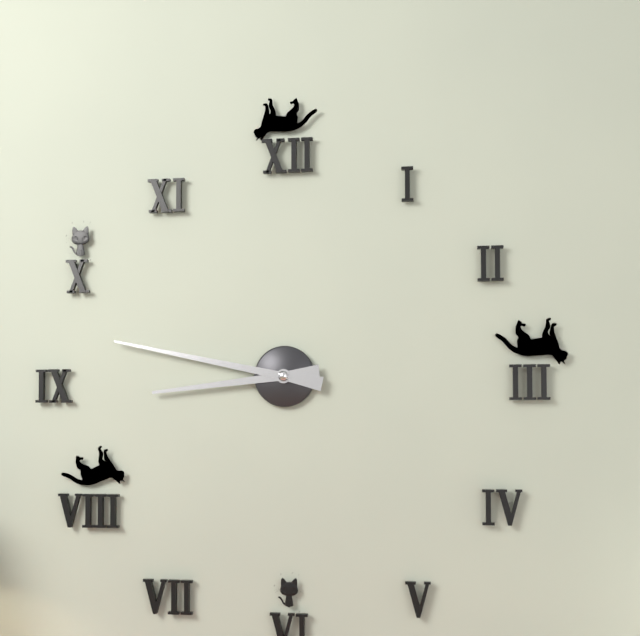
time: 8:47
